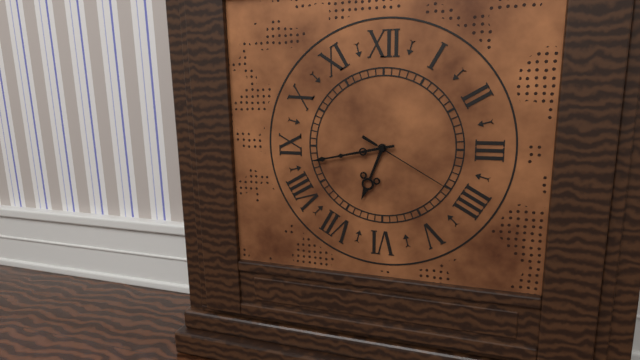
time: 6:43:20
